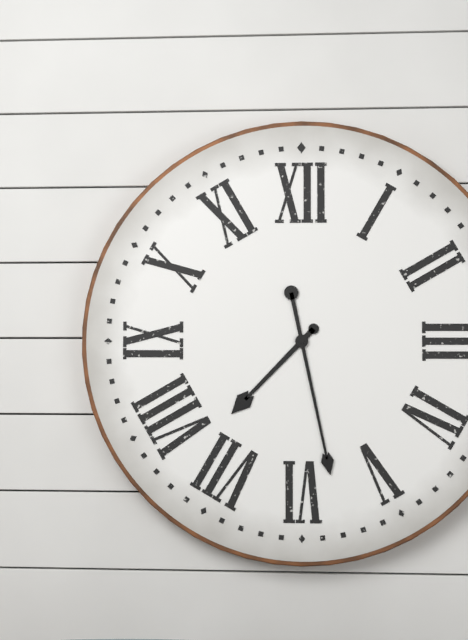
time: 7:28
